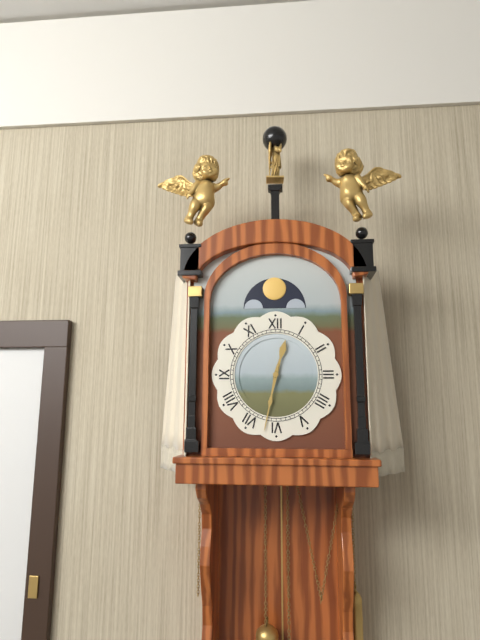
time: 12:32
